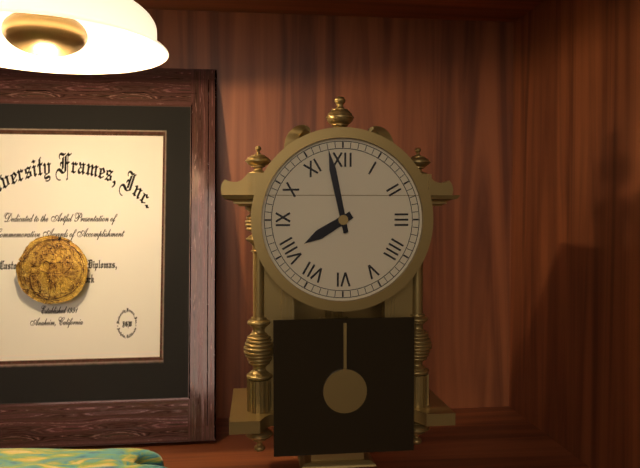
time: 7:58
